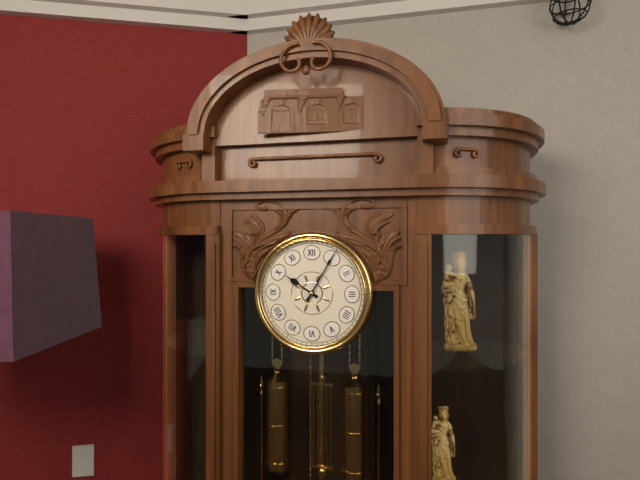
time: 10:05
